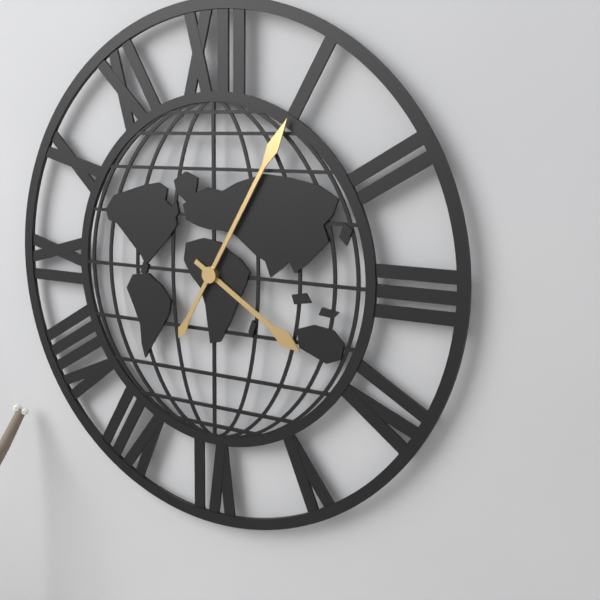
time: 4:05
